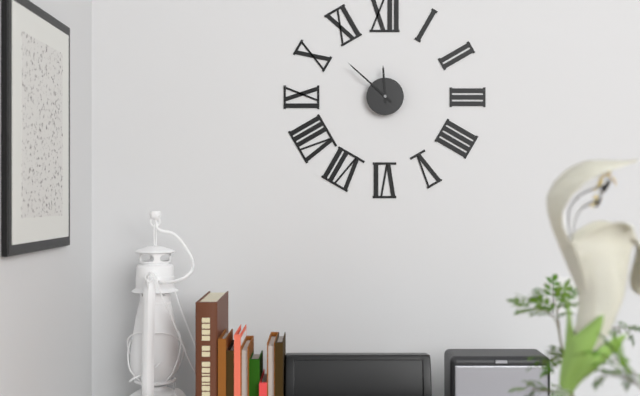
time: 11:52
